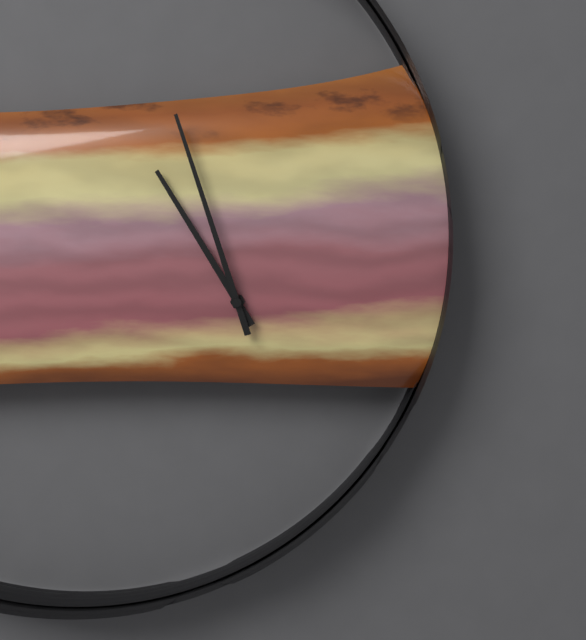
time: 10:57
